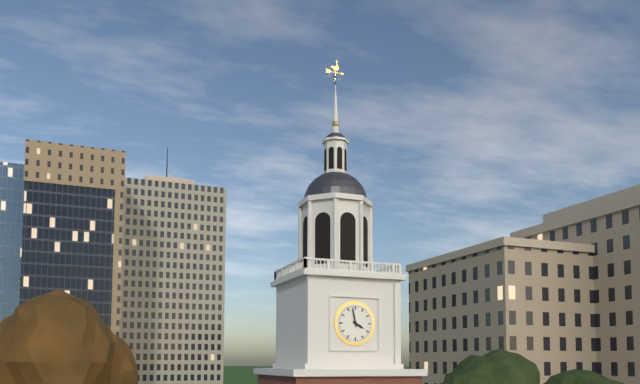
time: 3:58
